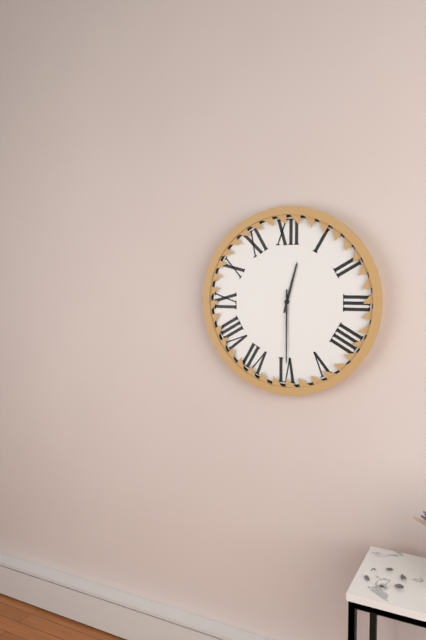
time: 12:30
